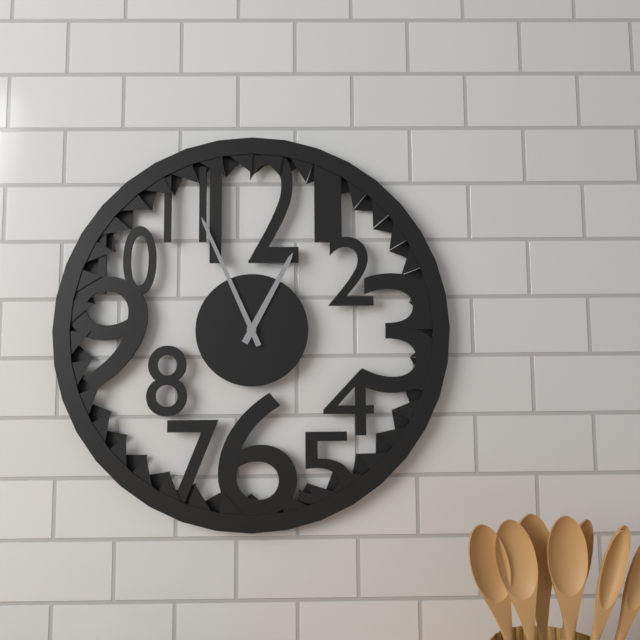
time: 12:56
